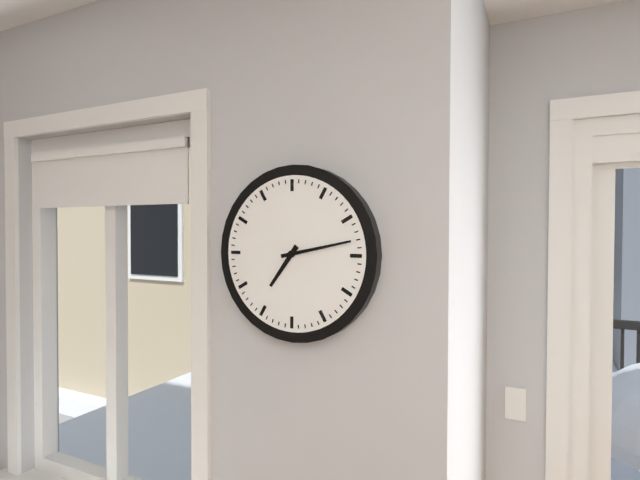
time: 7:13
